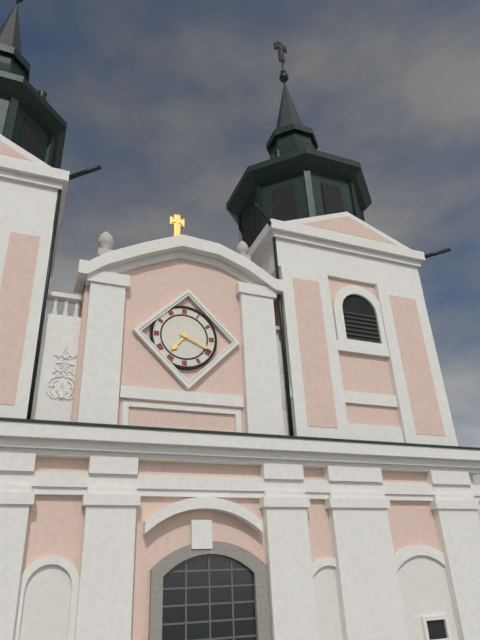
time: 7:19
